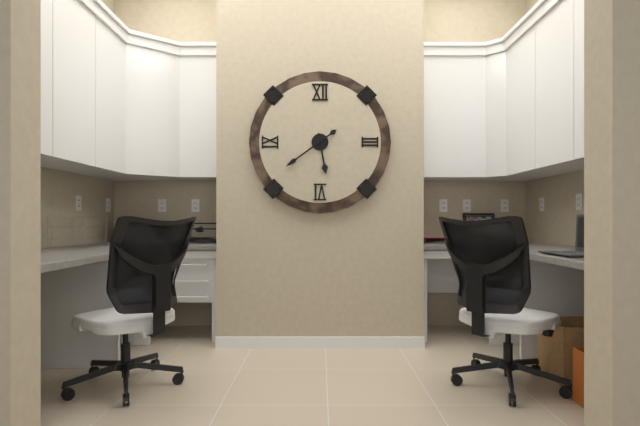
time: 5:39
